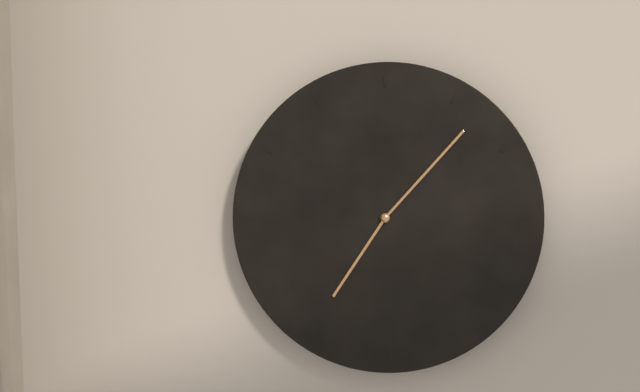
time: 7:07
